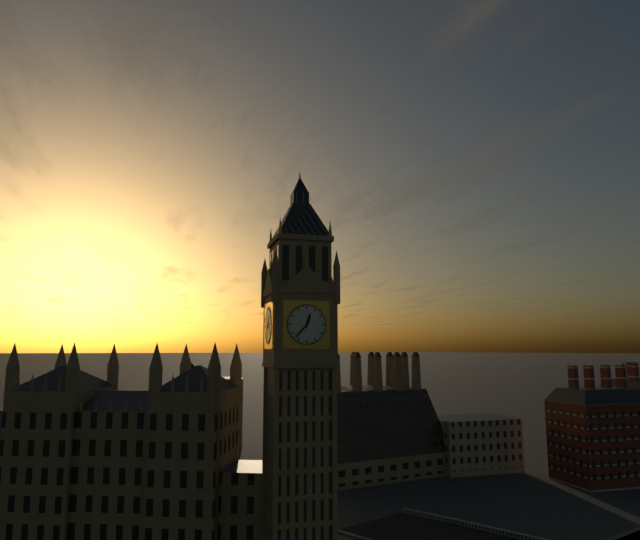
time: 12:37
